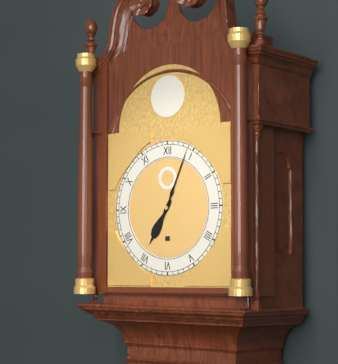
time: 7:04
